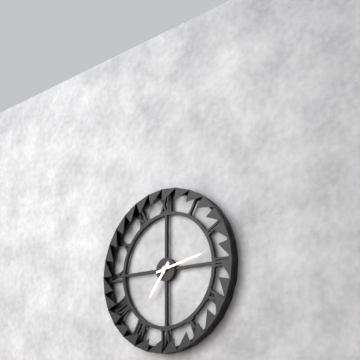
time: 7:13
